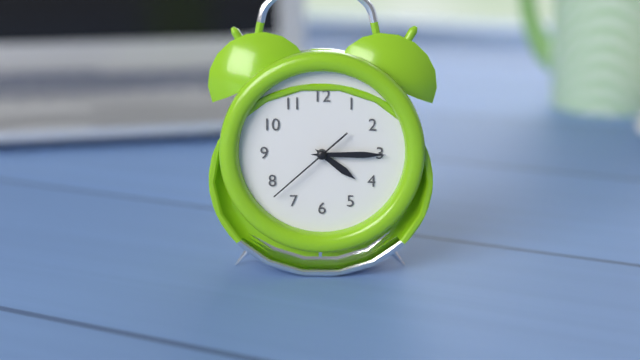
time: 4:15:38
